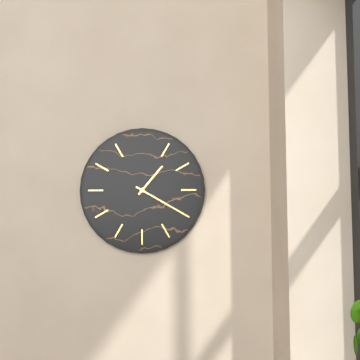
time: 1:20
